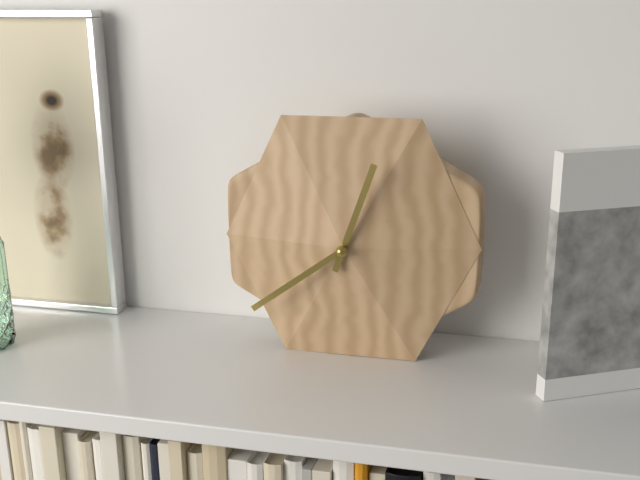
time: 12:39
